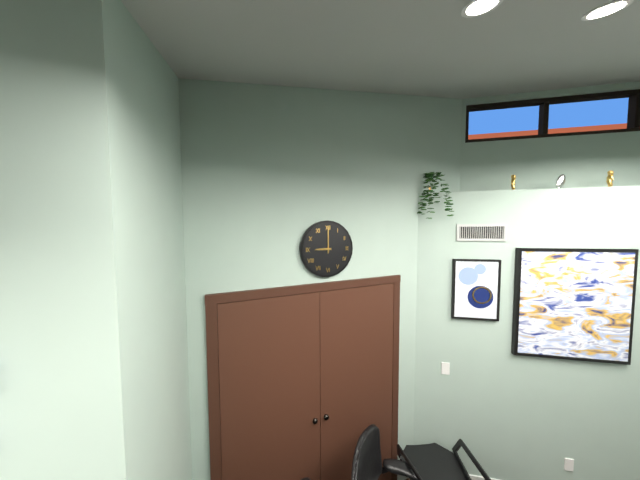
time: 9:00
